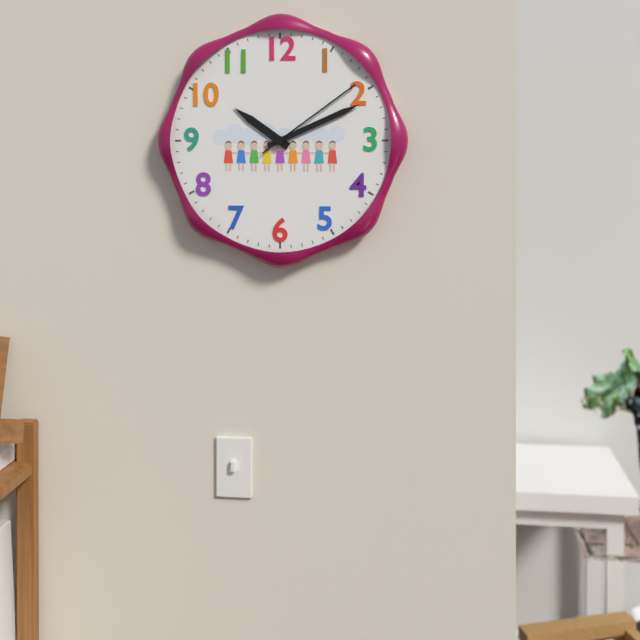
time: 10:11:09
